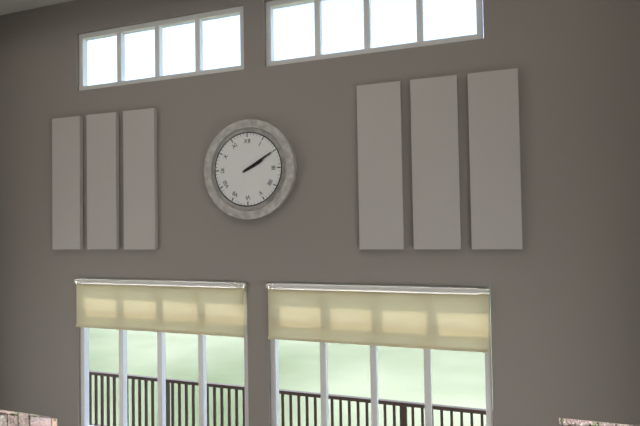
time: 2:10
